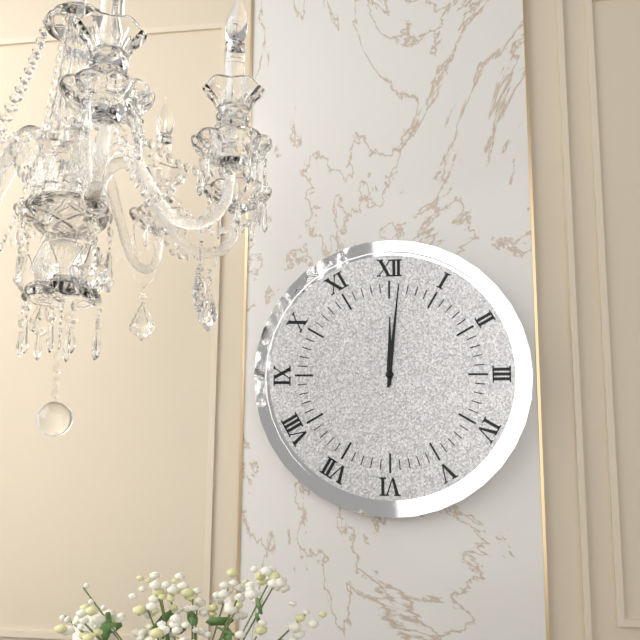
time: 12:01
